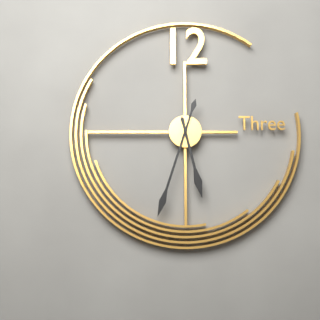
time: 5:33
